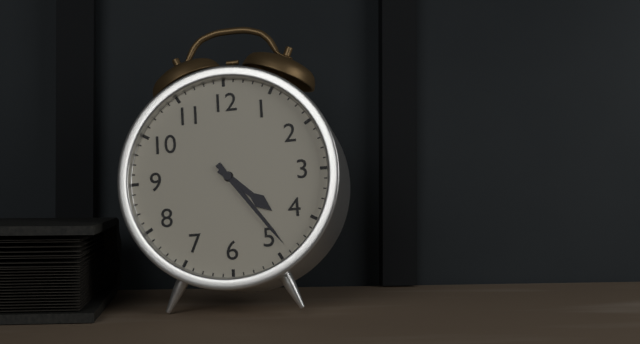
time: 4:24
